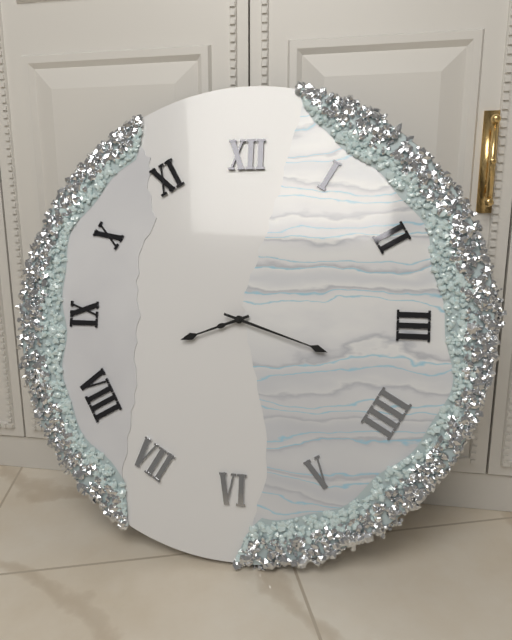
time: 8:18
